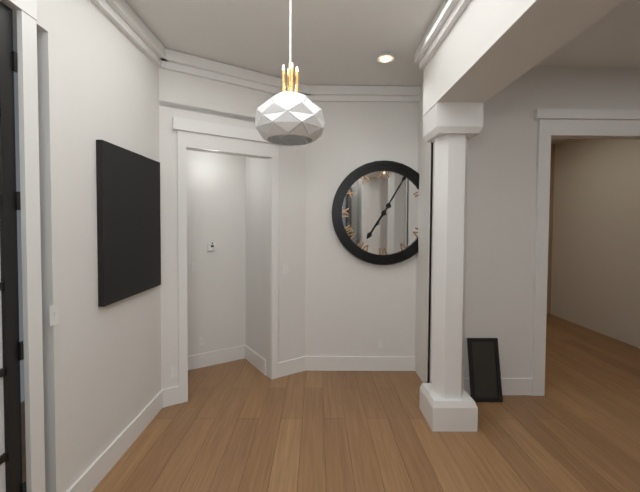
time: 7:05
